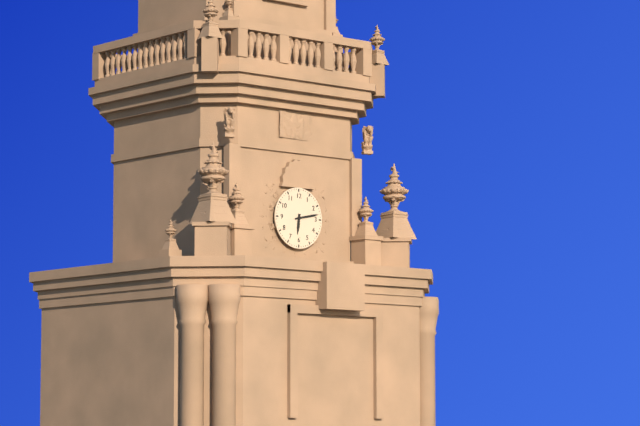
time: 6:13
